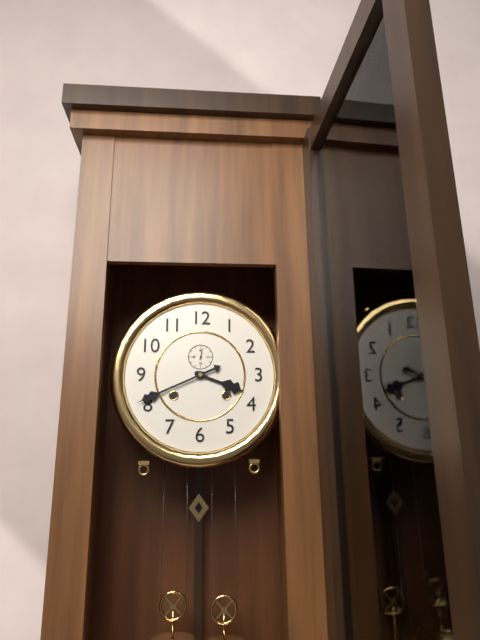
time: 3:41
